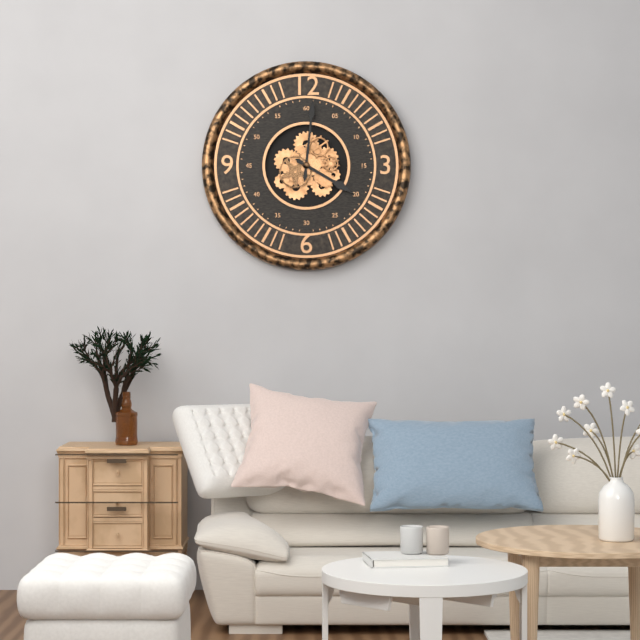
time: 4:01
